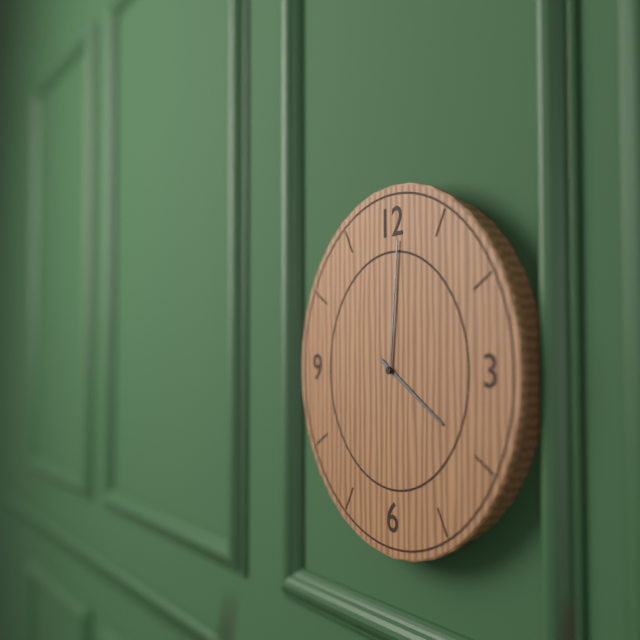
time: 4:01
